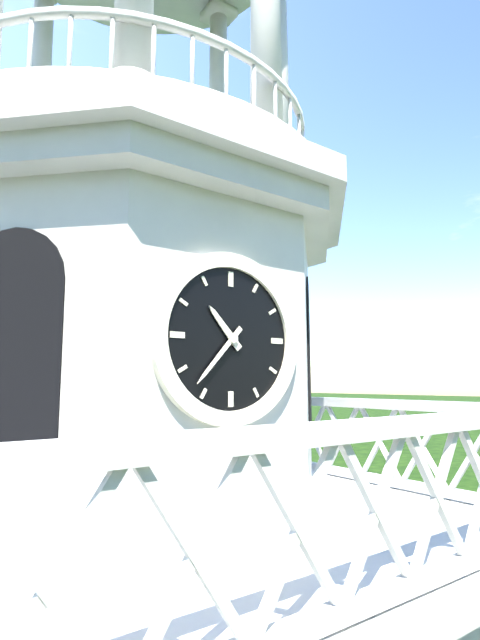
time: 10:37
